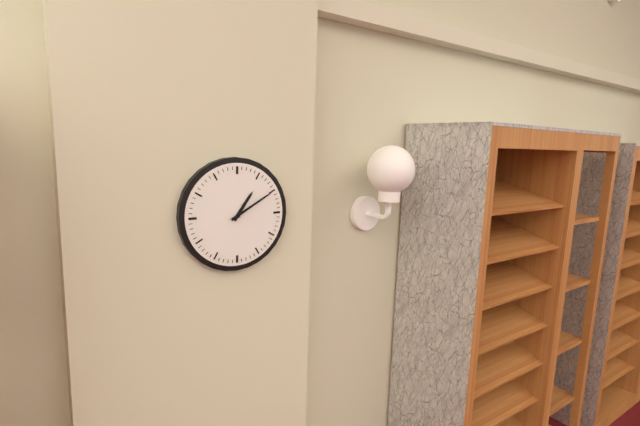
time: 1:10
